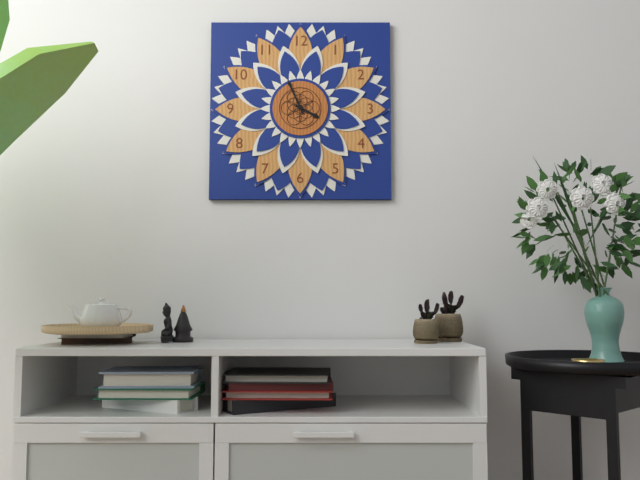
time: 3:56
